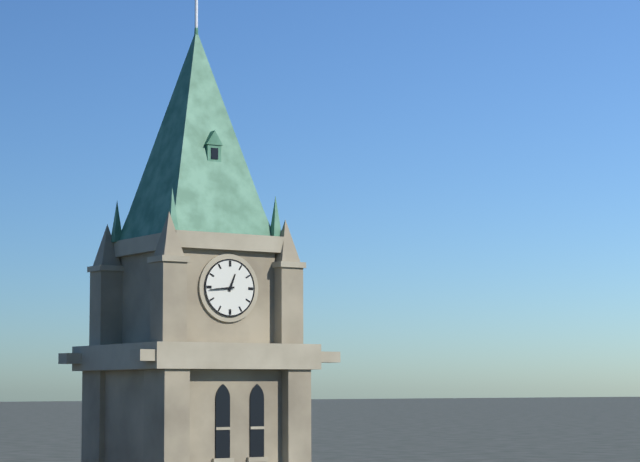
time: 12:44
